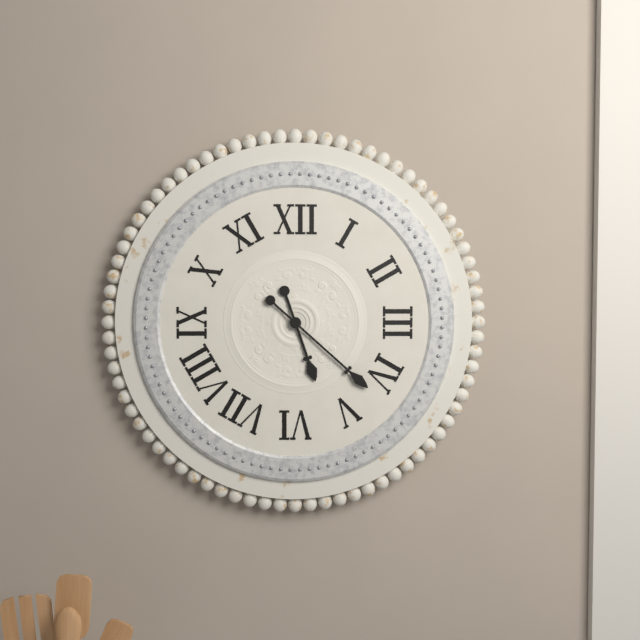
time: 5:22
